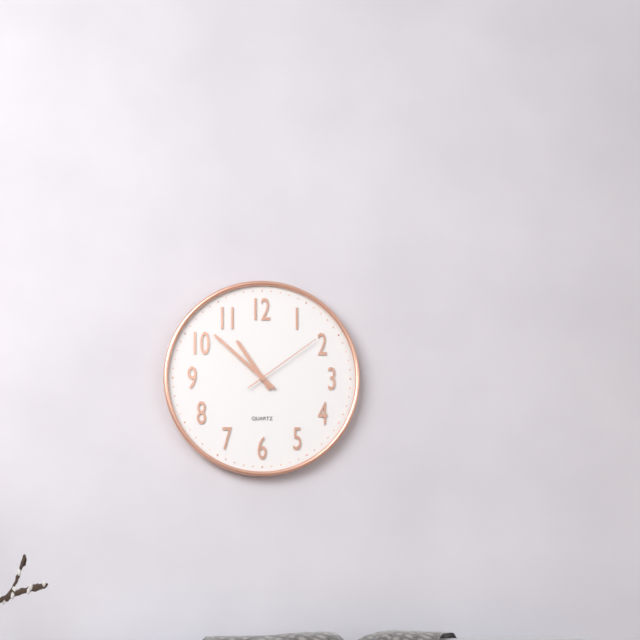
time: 10:52:09
